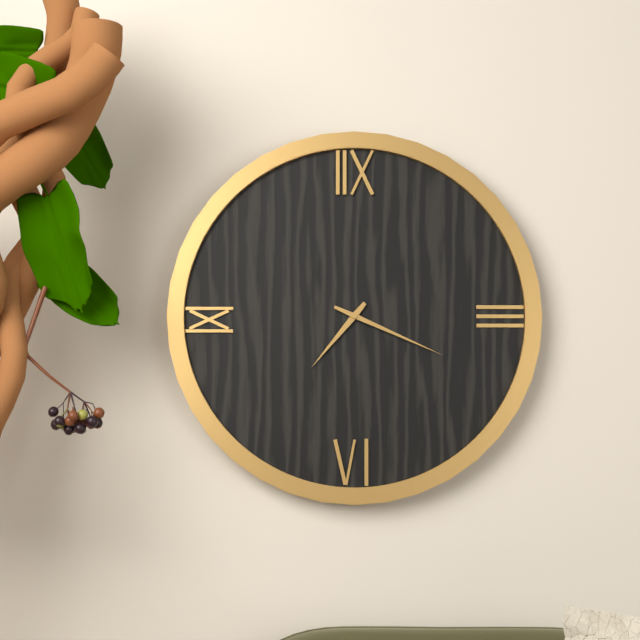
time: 7:19
